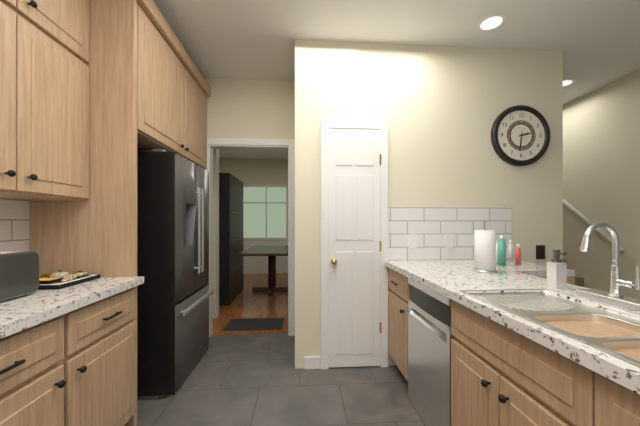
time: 2:31
